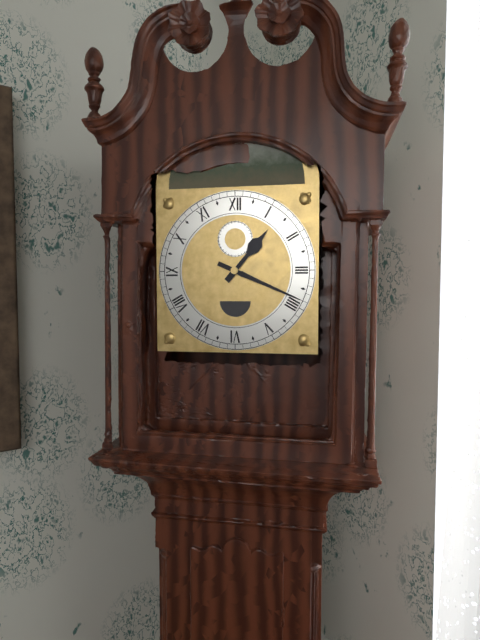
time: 1:19
